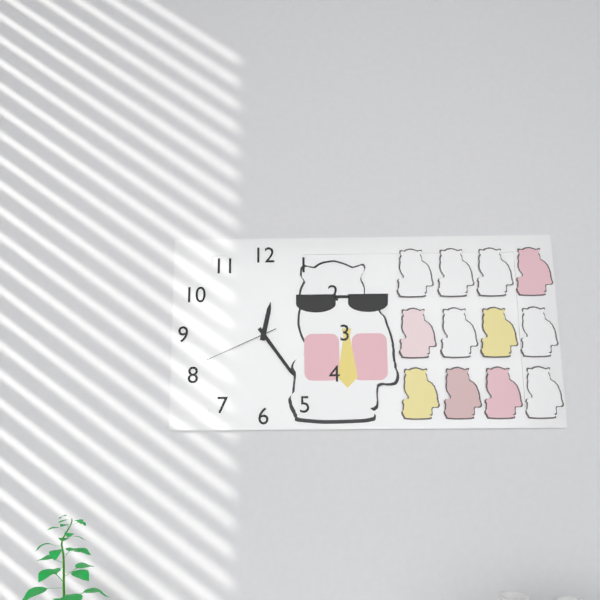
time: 12:24:41
